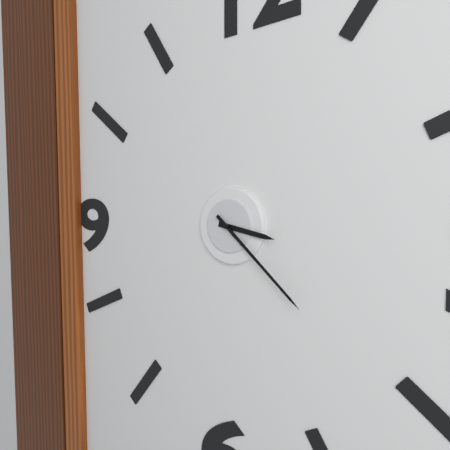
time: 3:22
